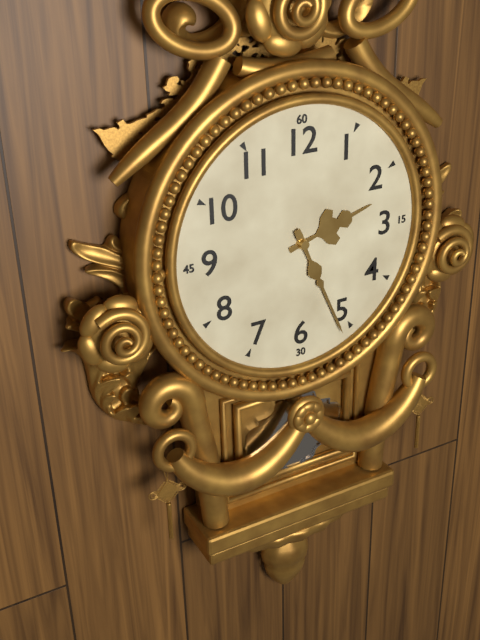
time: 2:26
